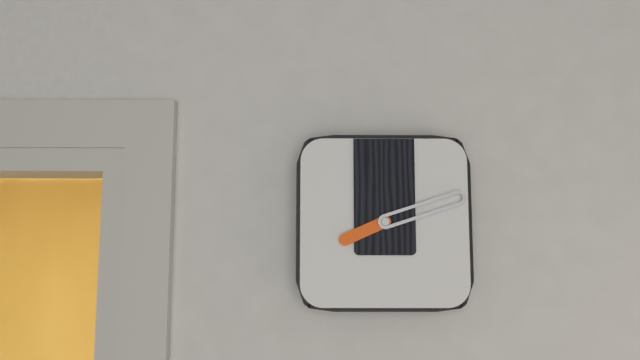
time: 8:12
